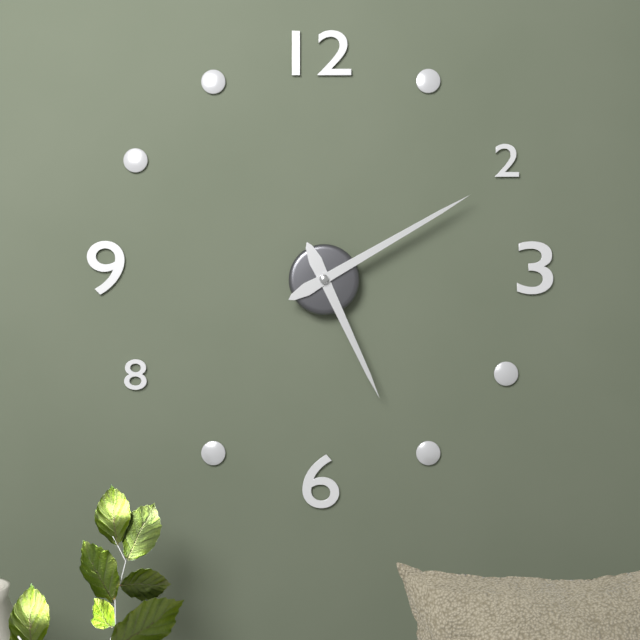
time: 5:10
